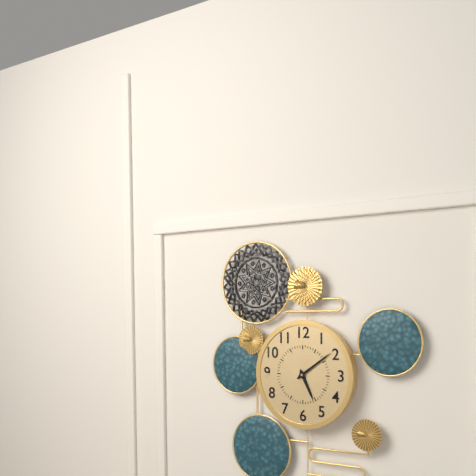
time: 5:09
